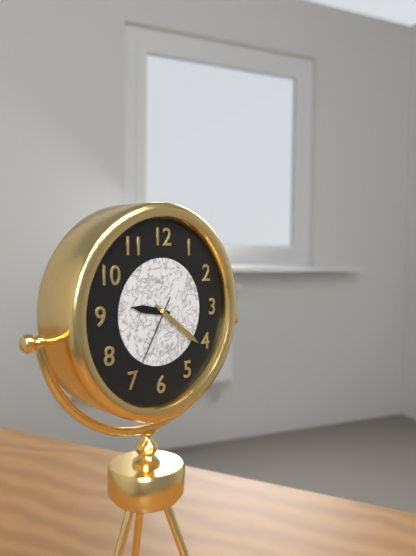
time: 9:21:35
